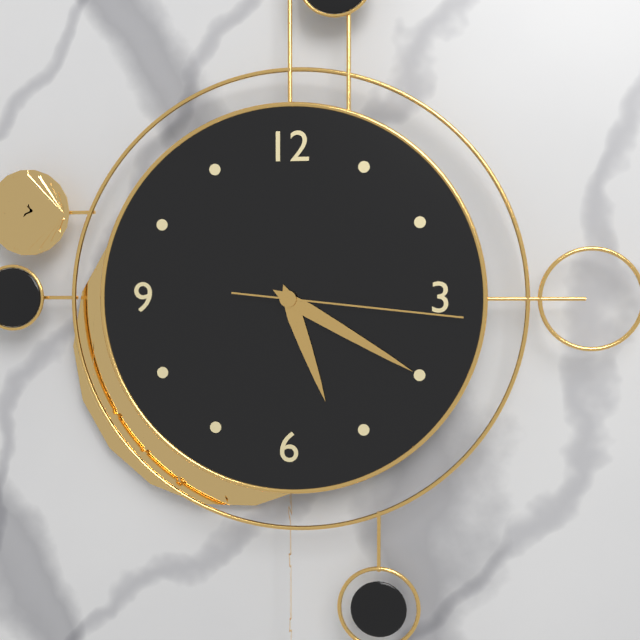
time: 5:20:16
